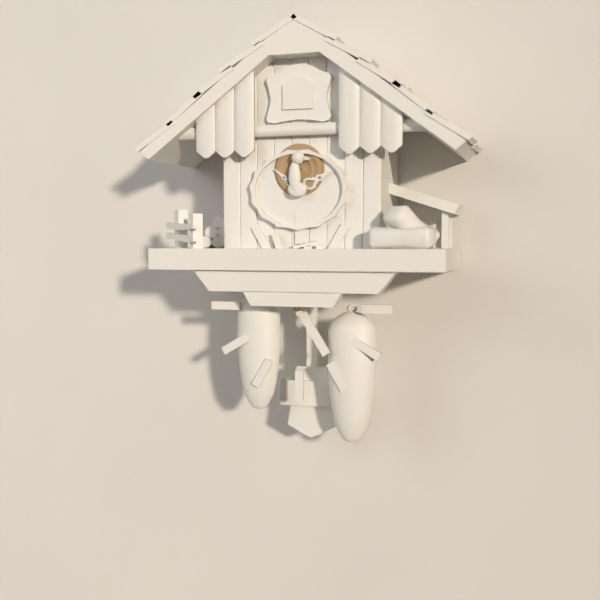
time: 4:57
